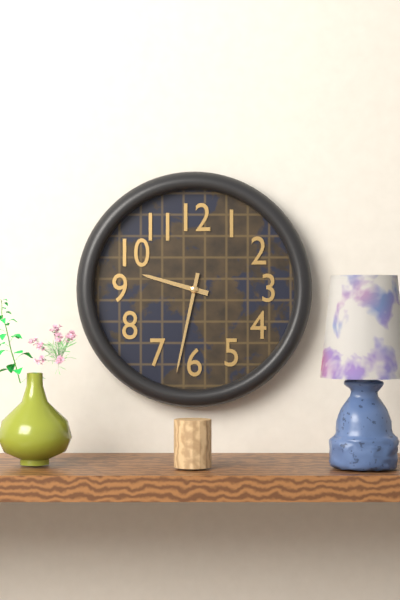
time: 9:32
